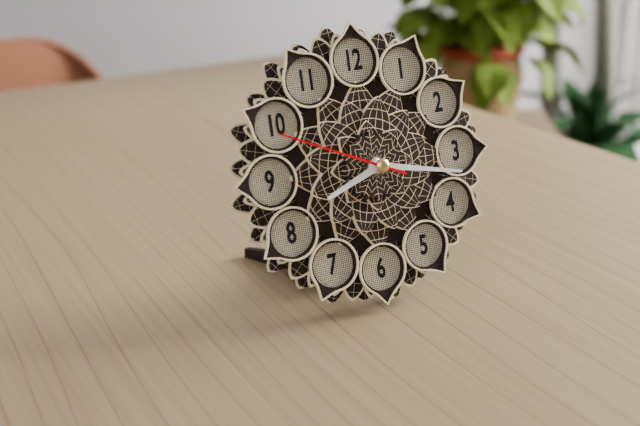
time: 8:17:49
